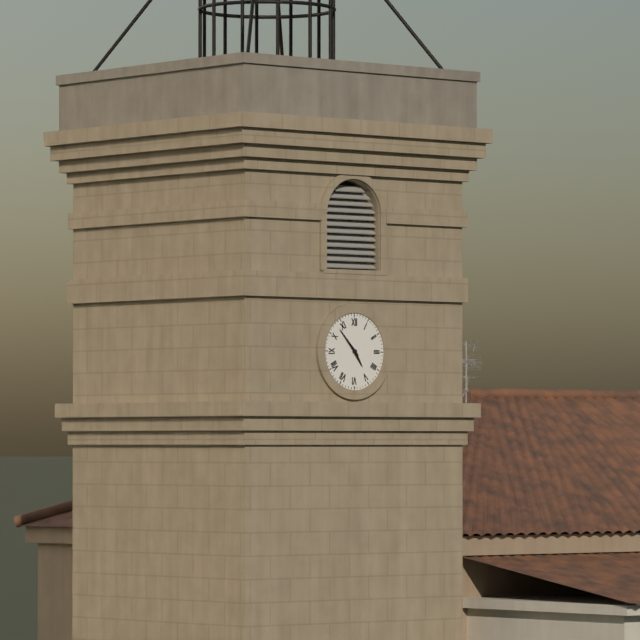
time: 4:53
